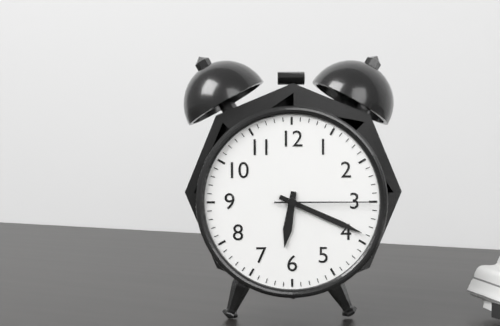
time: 6:19:15
